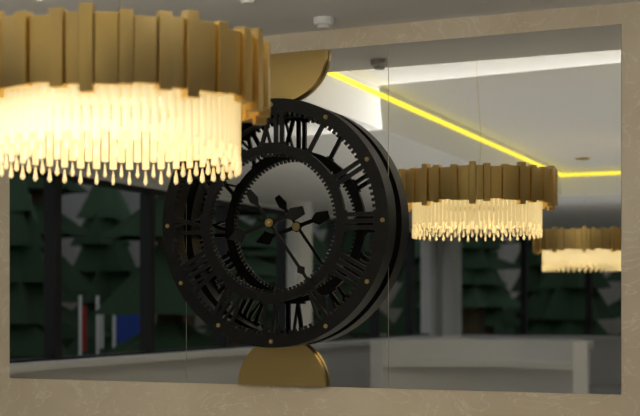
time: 8:24
